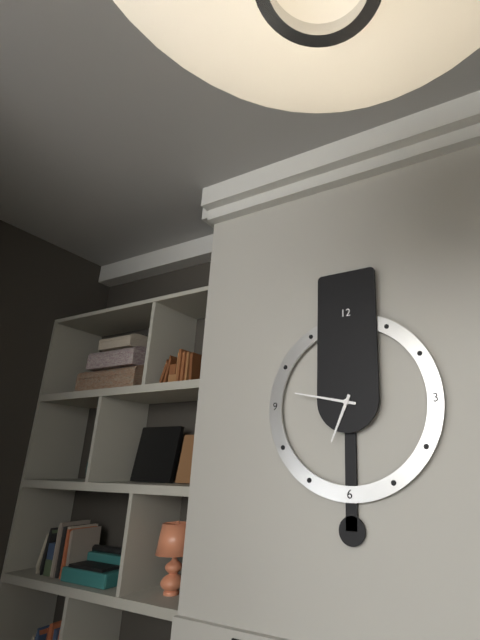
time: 6:47
